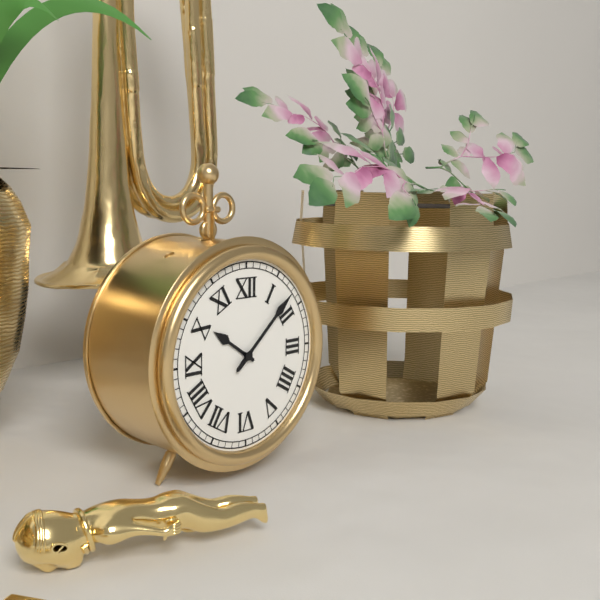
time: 10:08
